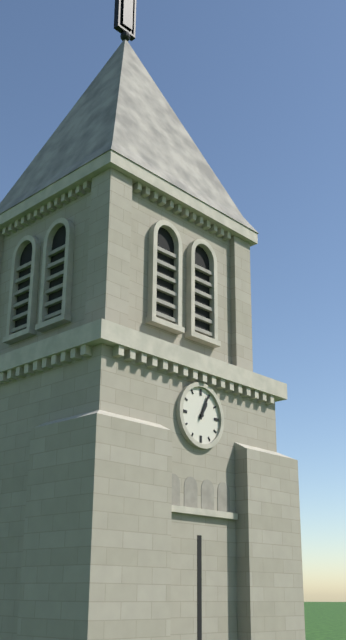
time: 1:04
